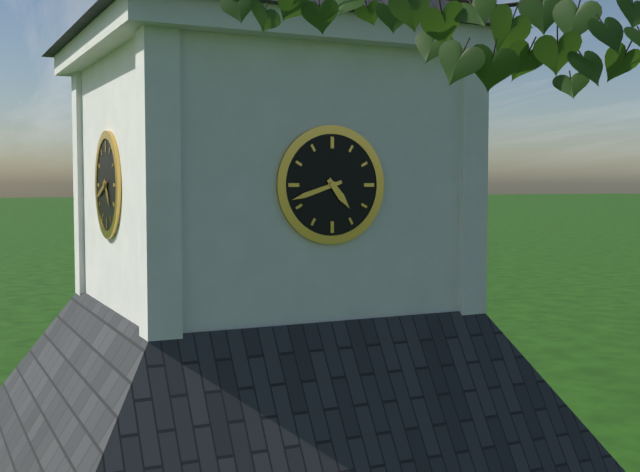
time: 4:42
